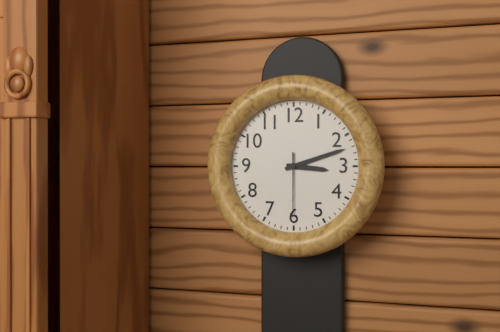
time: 3:12:30
